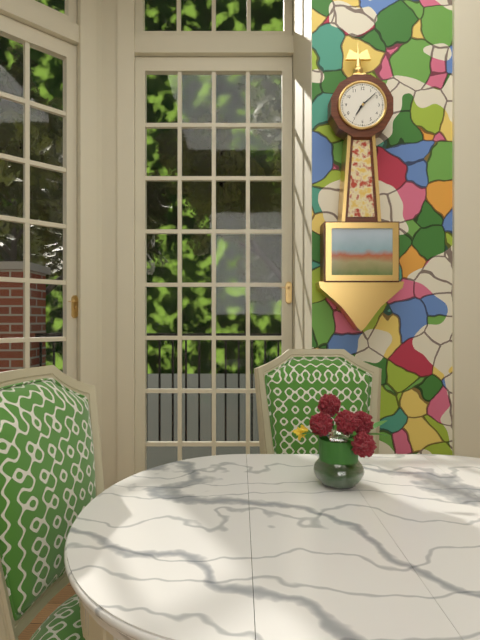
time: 7:08
